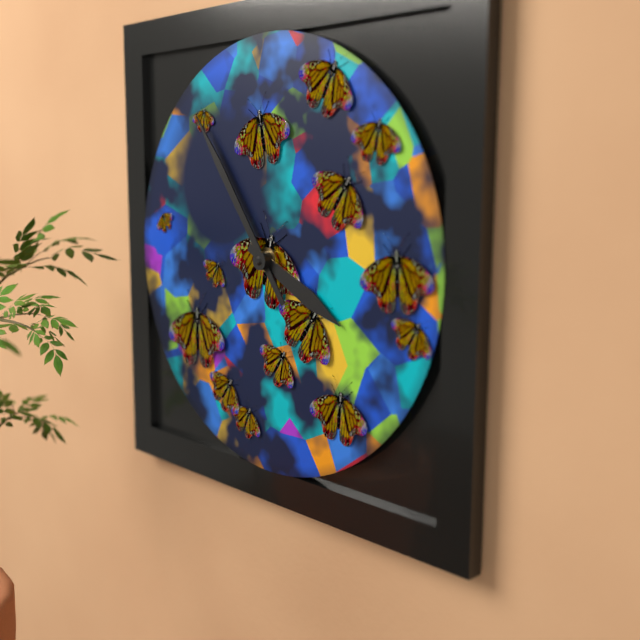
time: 3:54
